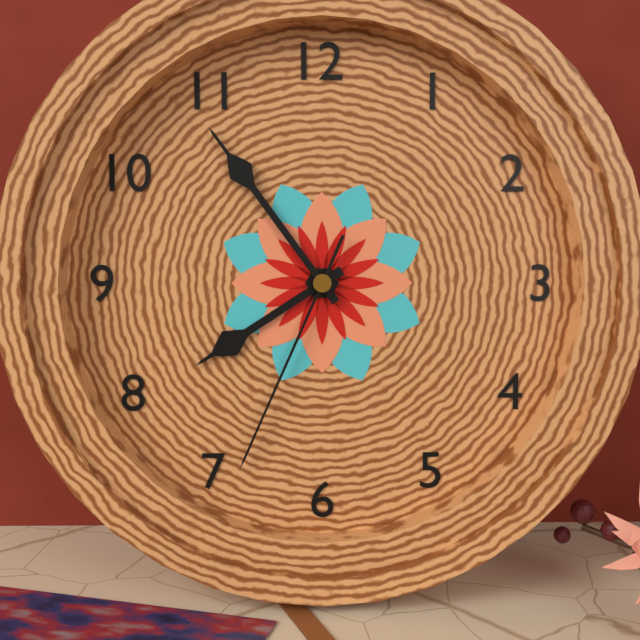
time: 7:54:34
